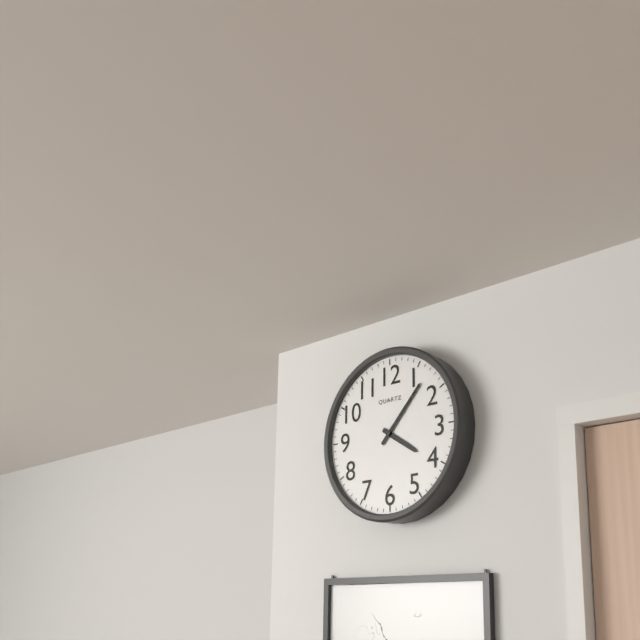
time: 4:07
